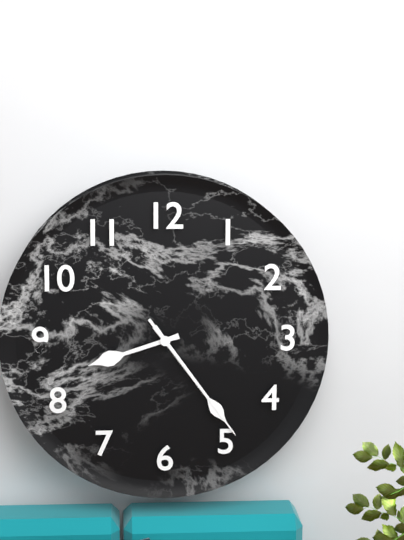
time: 8:24:24
